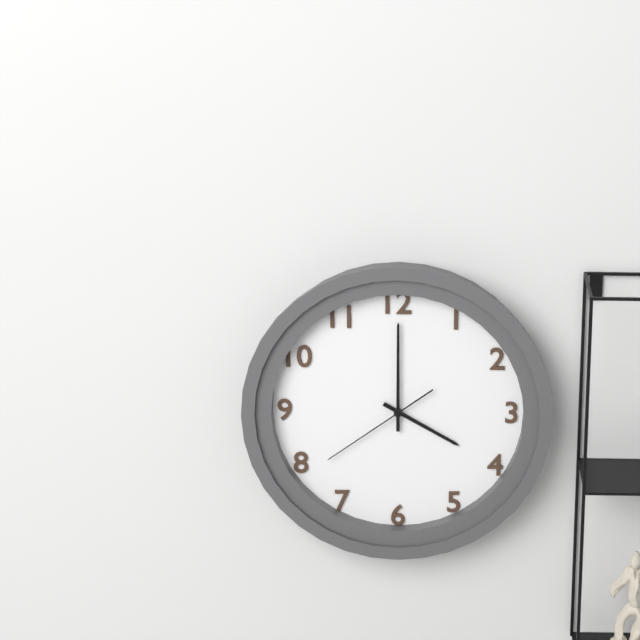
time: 4:00:39
